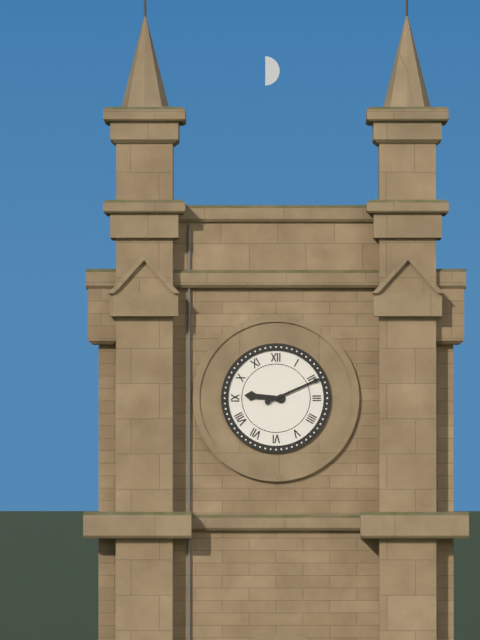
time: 9:11
